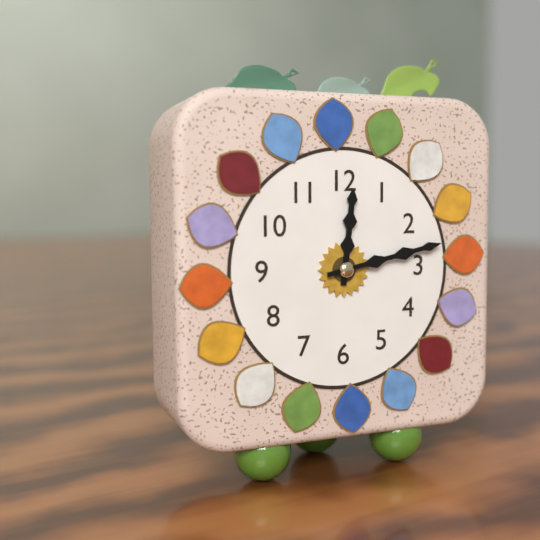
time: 12:13
